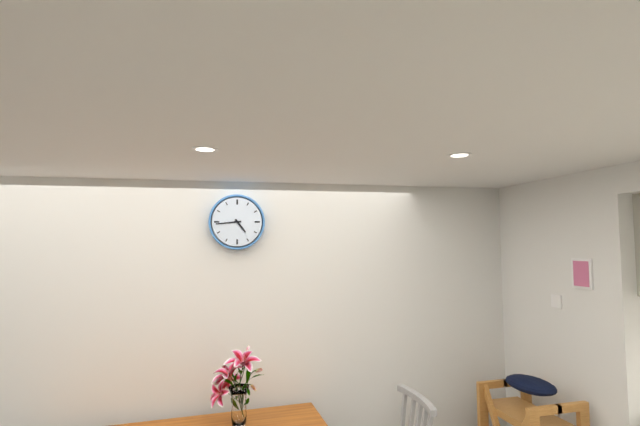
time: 4:44
